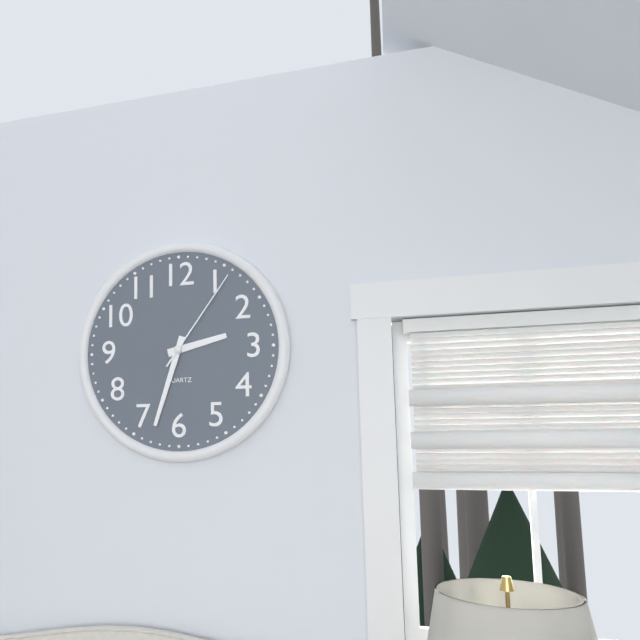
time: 2:33:06
